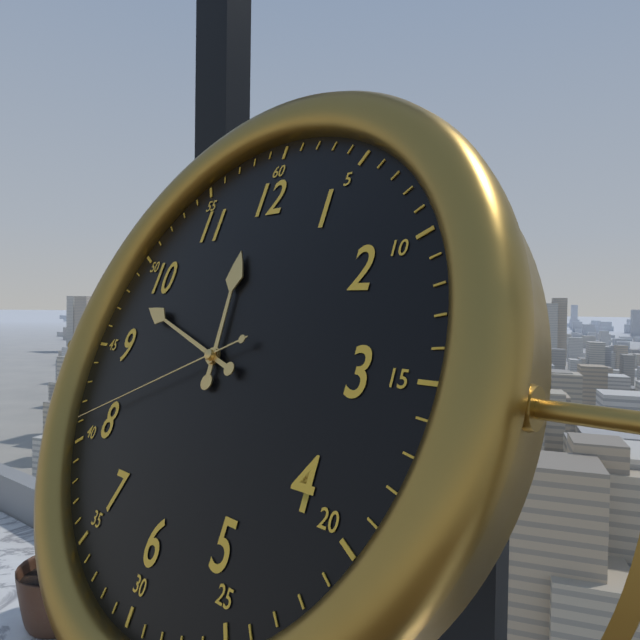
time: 11:48:41
